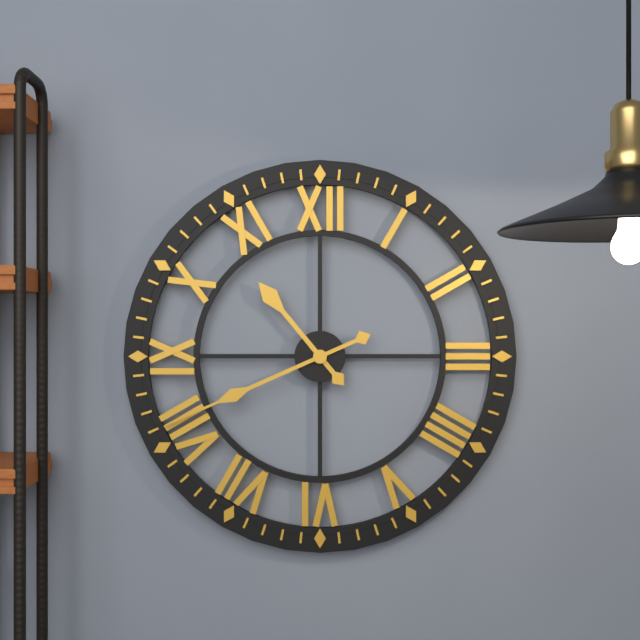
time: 10:41
